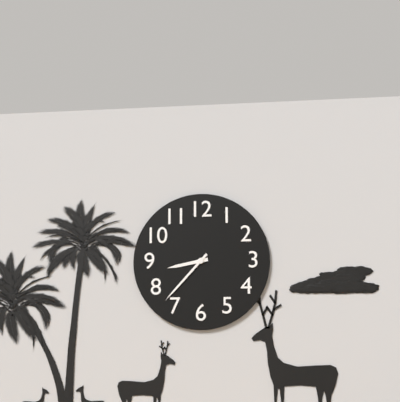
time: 8:37
